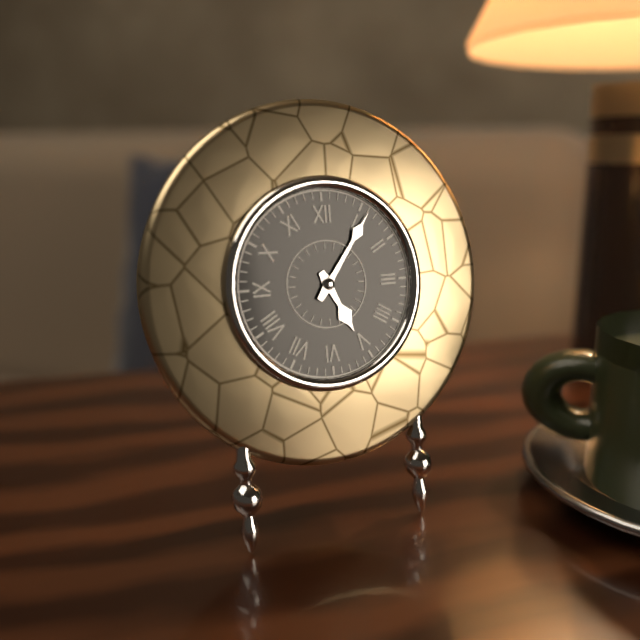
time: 5:06
